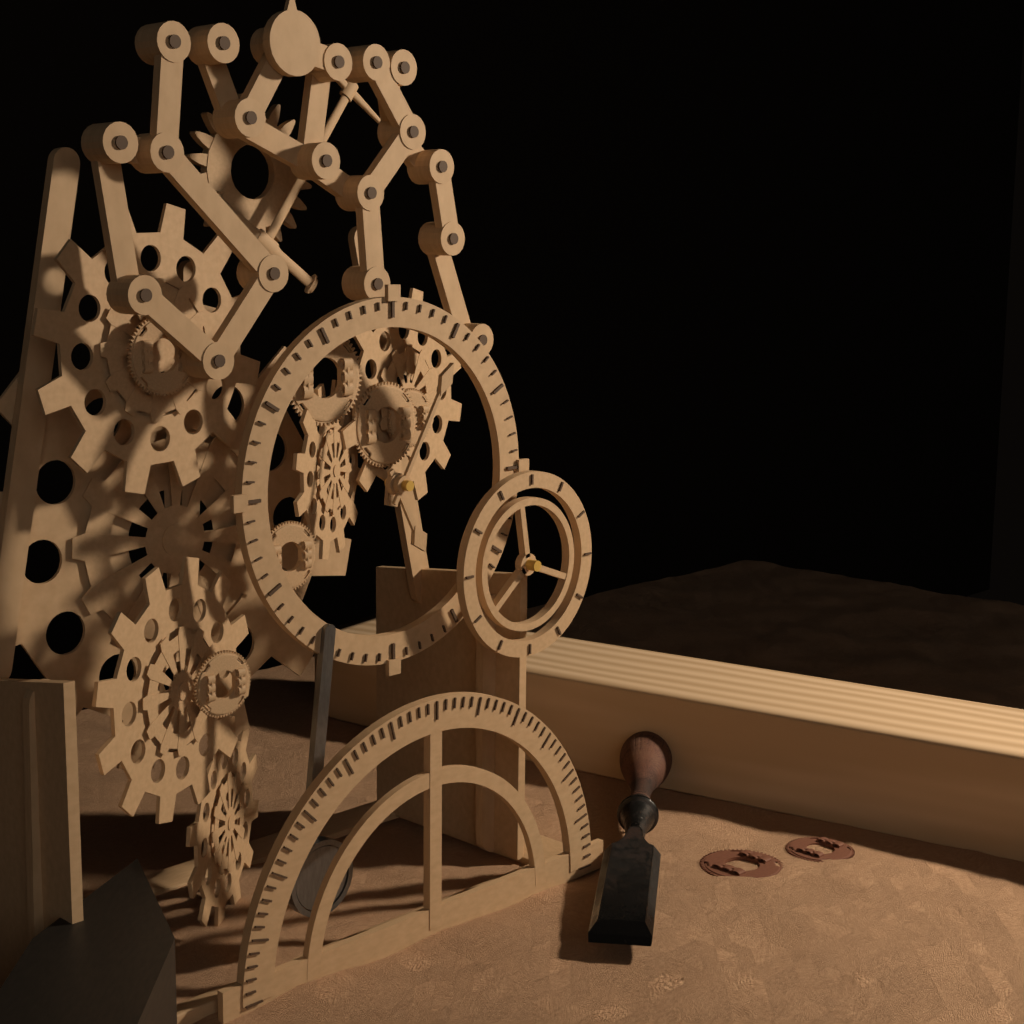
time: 5:05
